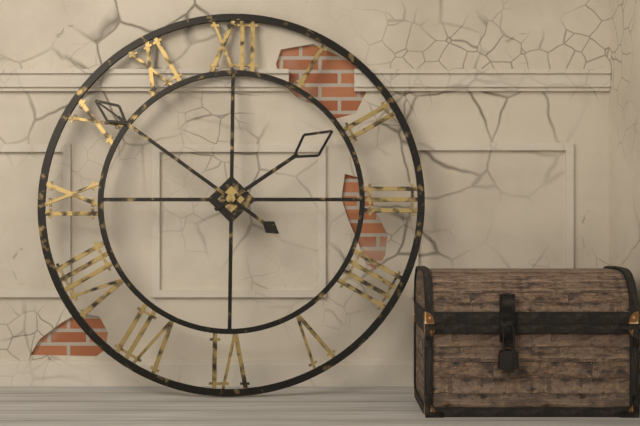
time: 1:51
